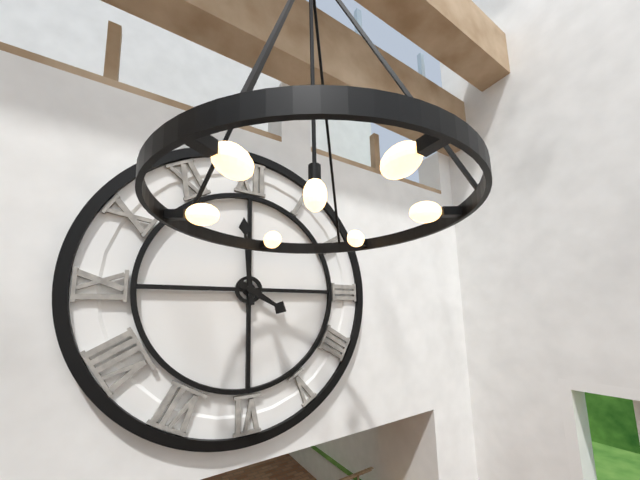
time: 3:59
